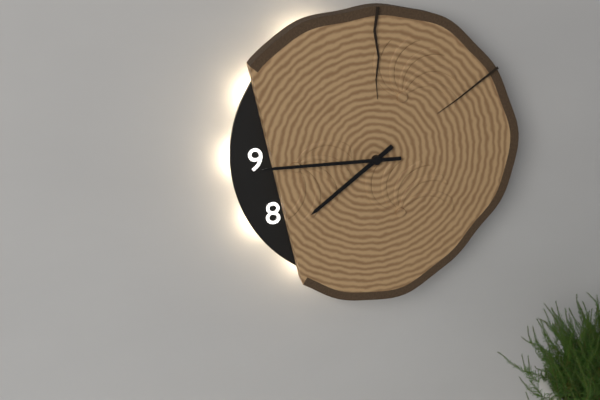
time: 7:45
